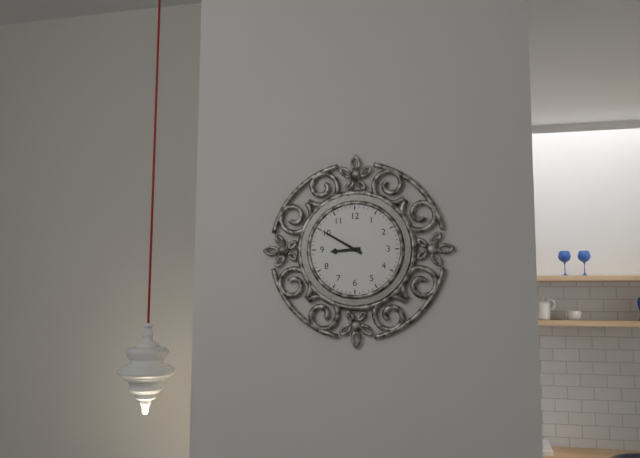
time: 8:50
